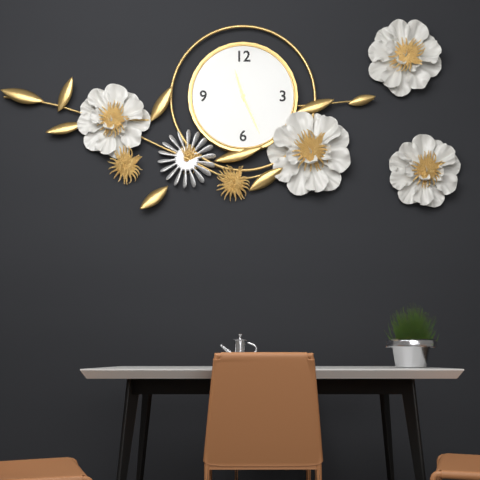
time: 11:26
